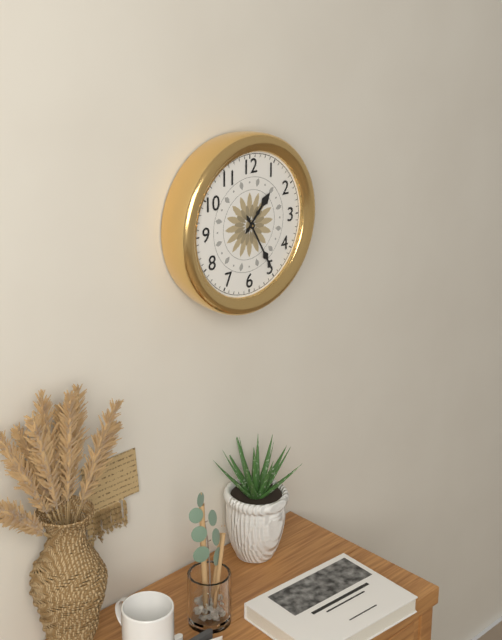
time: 1:25
